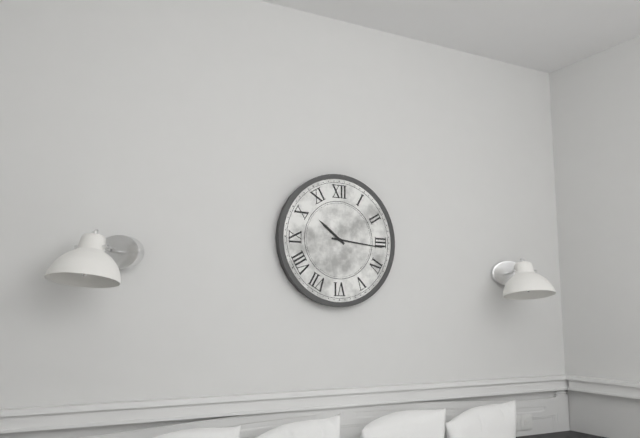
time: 10:16
